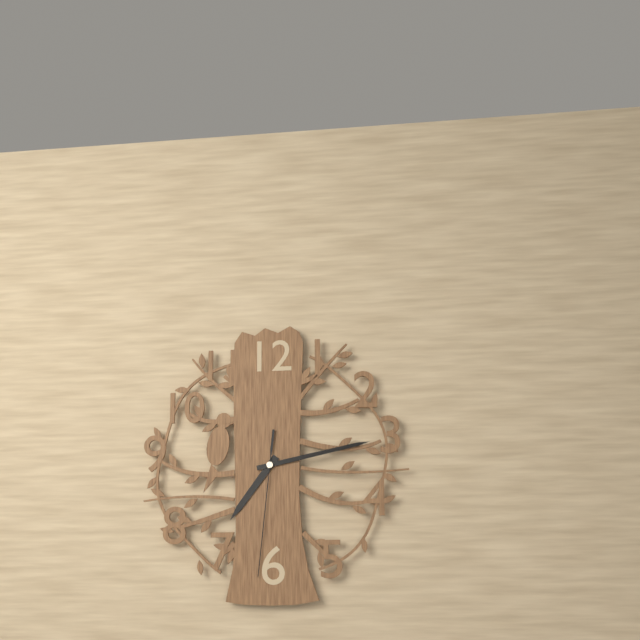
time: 7:13:31
